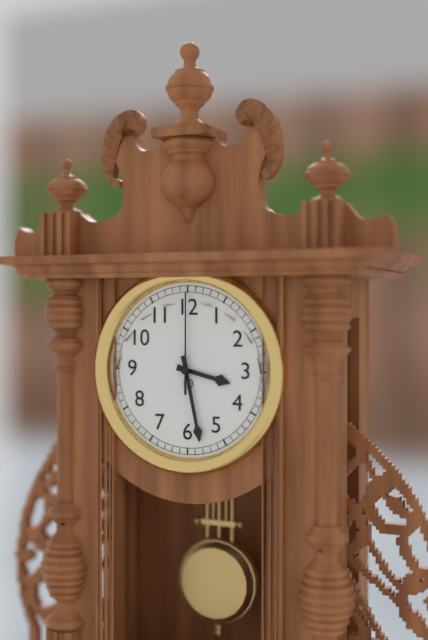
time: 3:28:00
